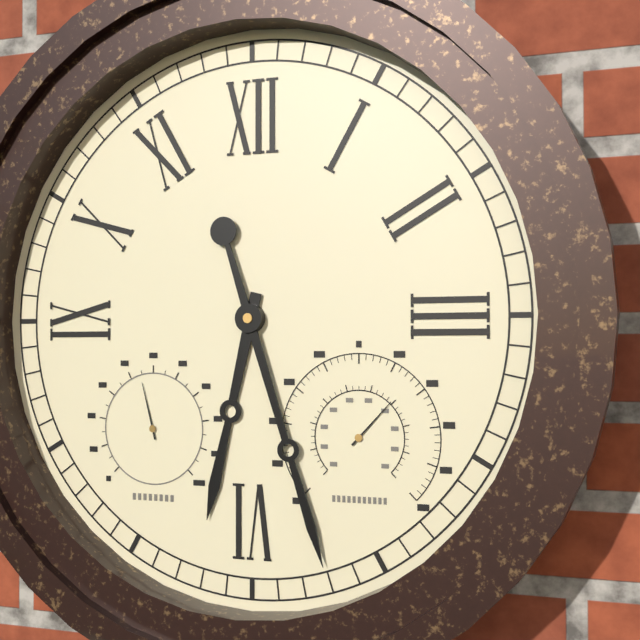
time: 6:27
